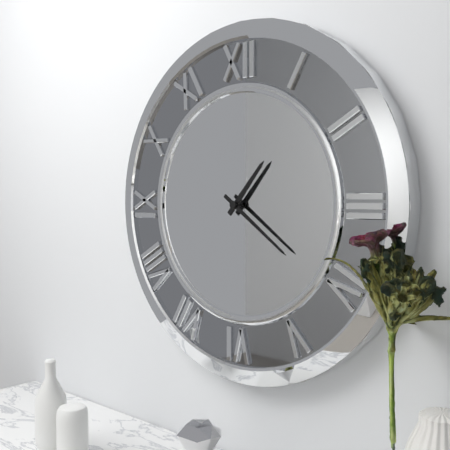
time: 1:21
